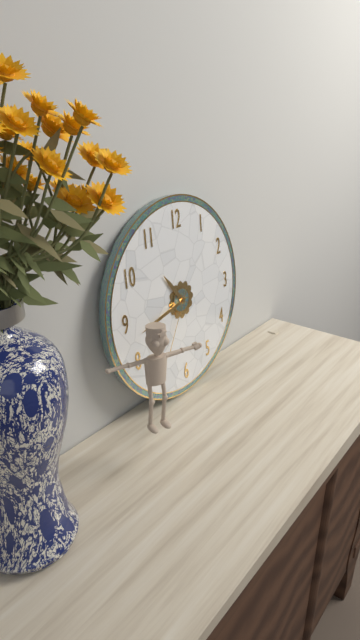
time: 10:43:35
